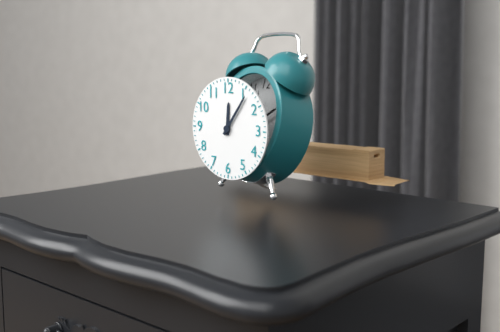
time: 12:06
